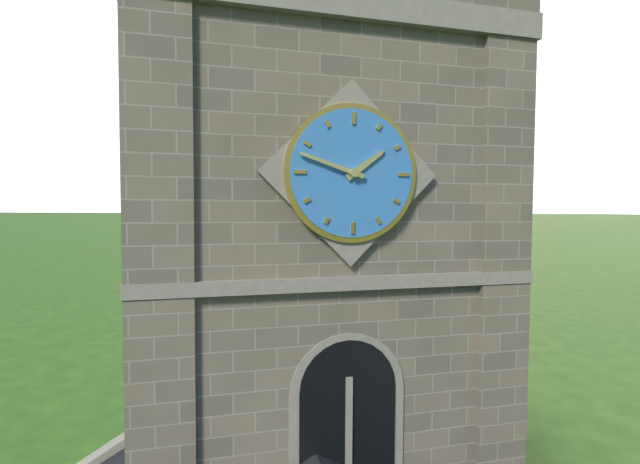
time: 1:48
